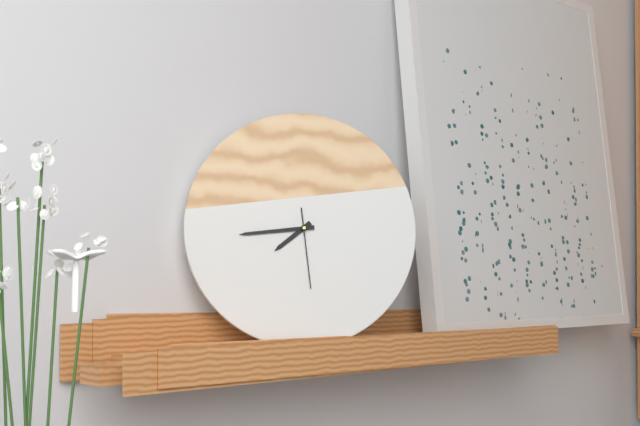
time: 7:44:29
